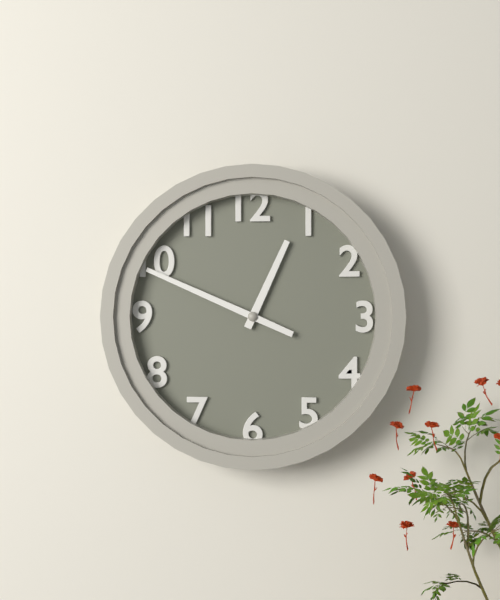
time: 12:49
